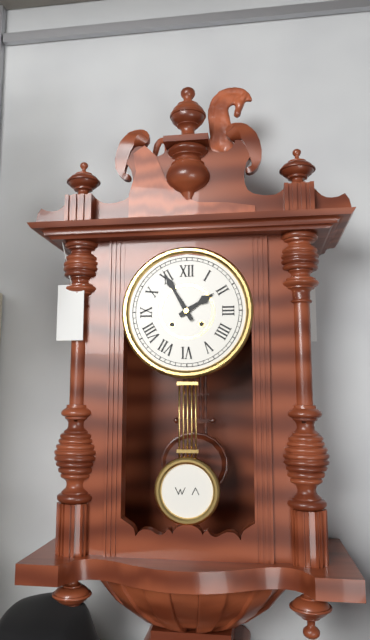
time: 1:55
